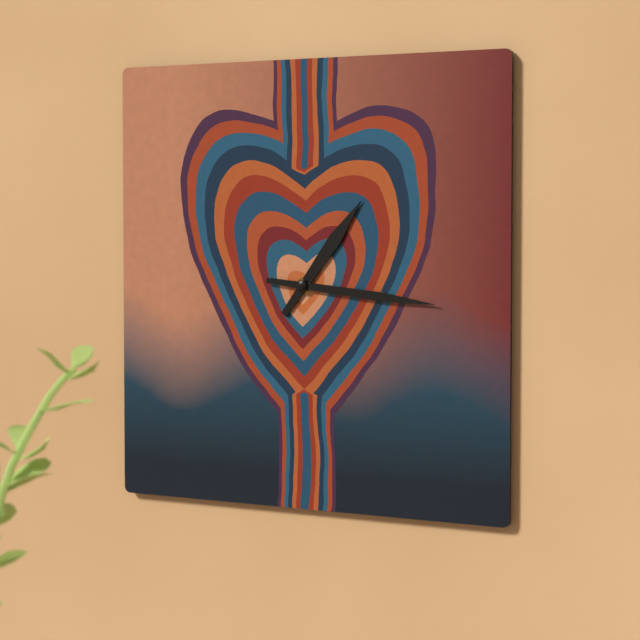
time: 1:16
